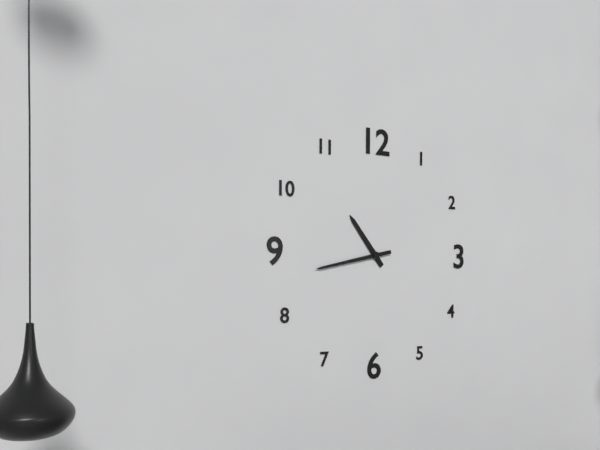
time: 10:43
